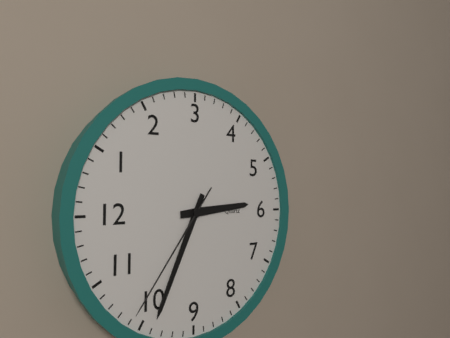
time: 5:49:51
